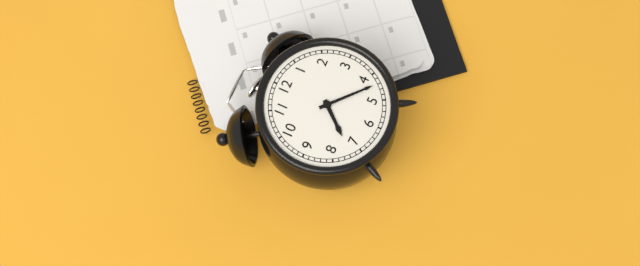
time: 7:22
